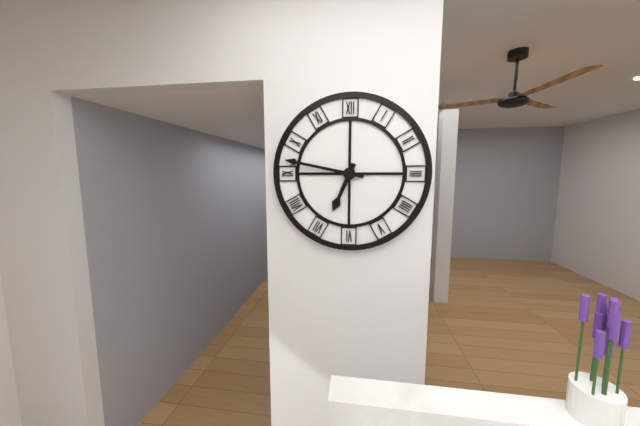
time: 6:47
